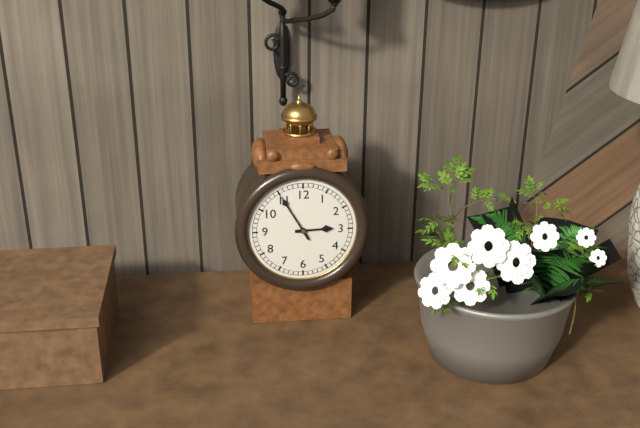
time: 2:55
